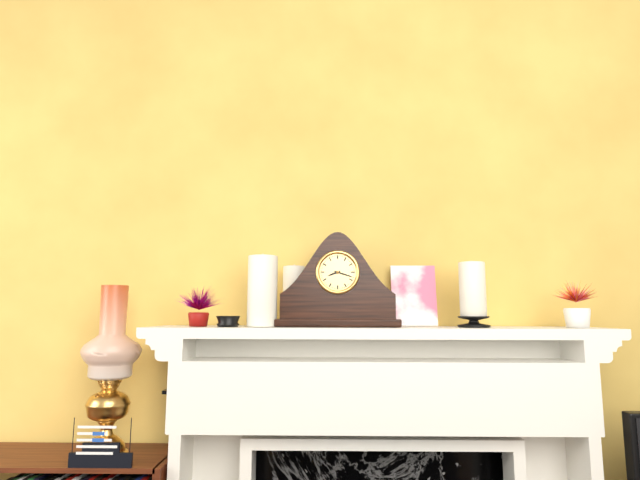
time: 8:18
